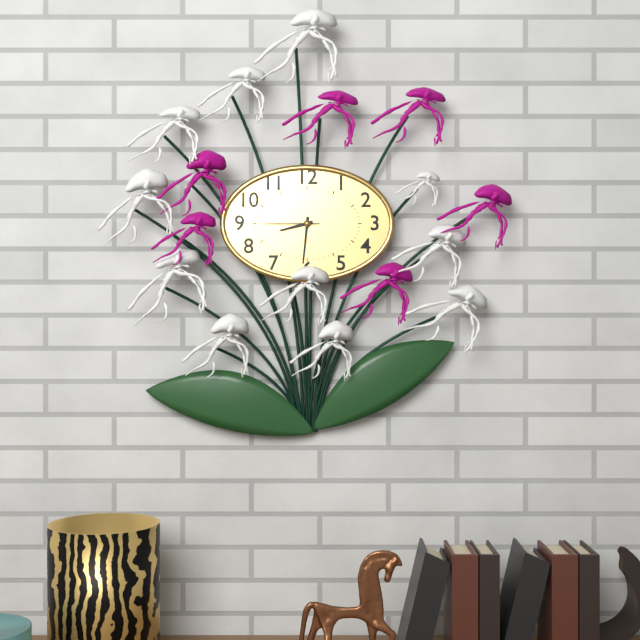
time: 8:31:45
